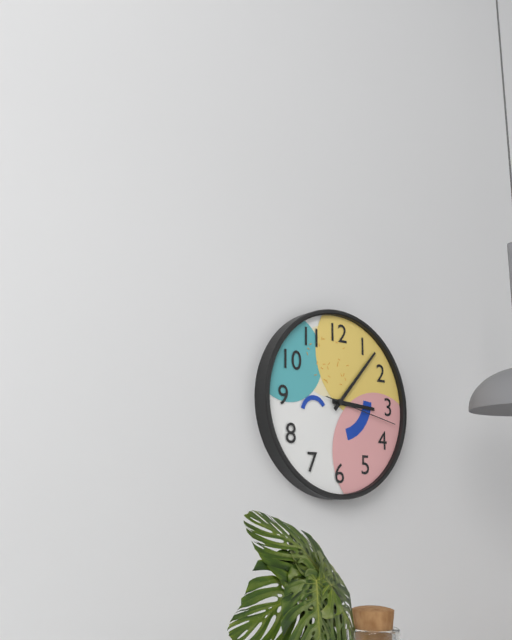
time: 3:07:17
